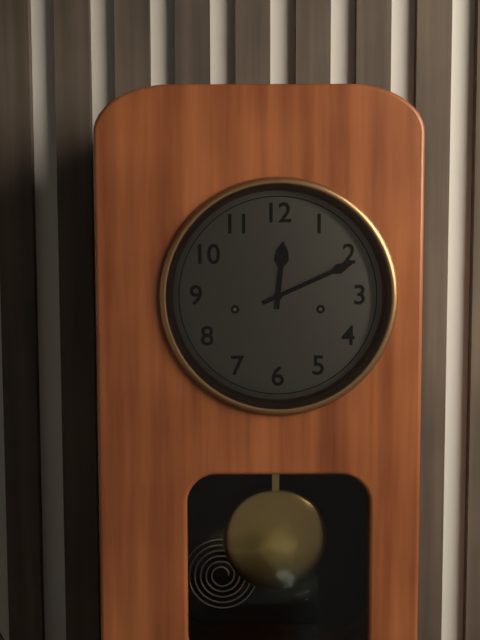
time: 12:11
